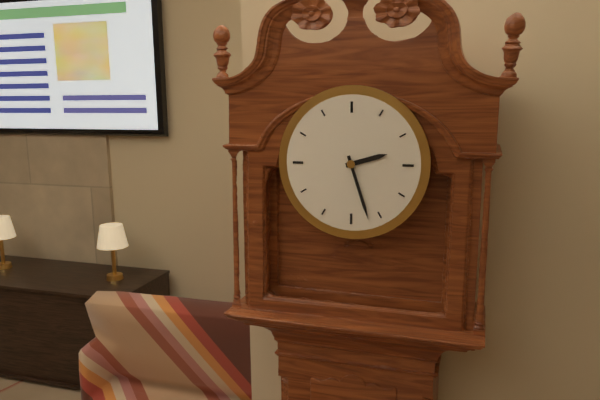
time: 2:27
